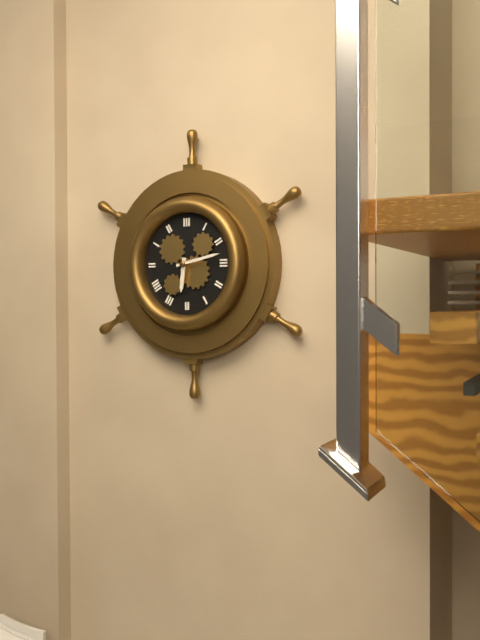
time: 6:13
